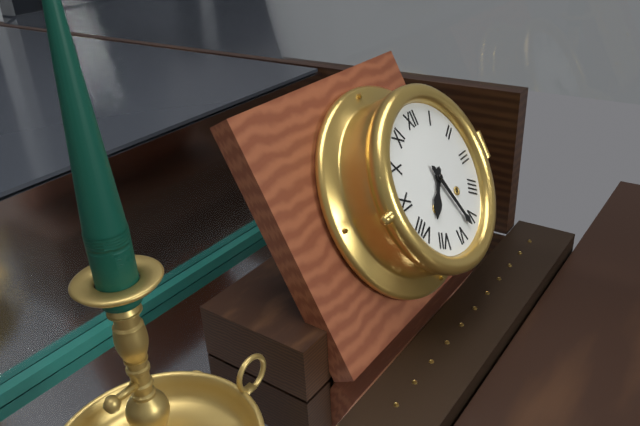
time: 7:27
